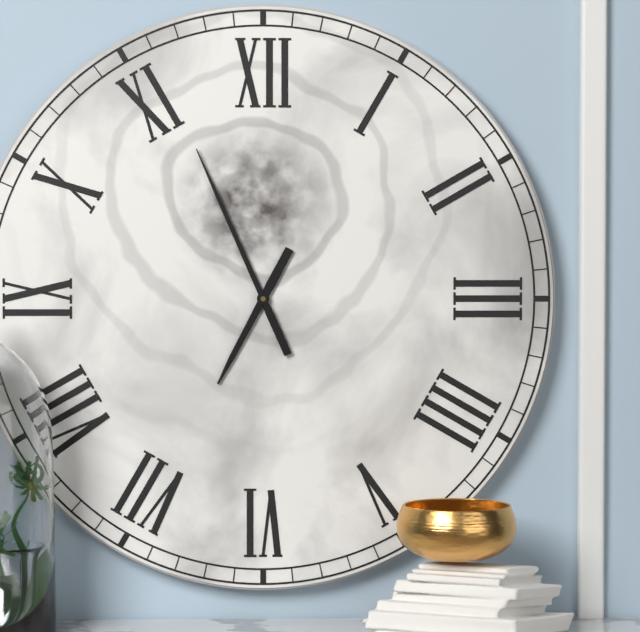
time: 6:56
